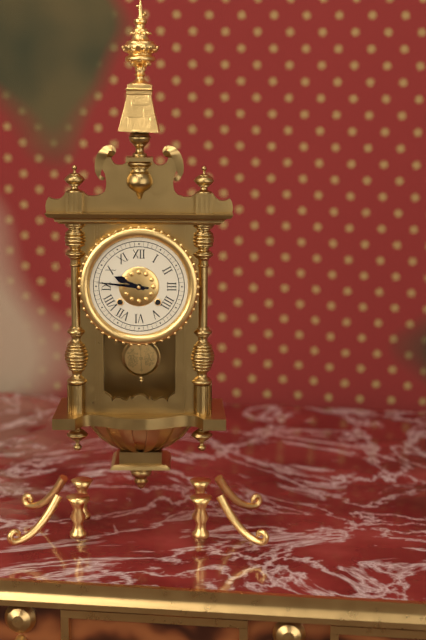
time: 9:46
